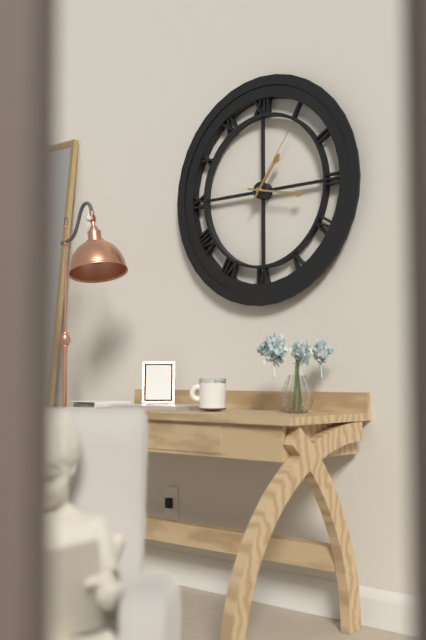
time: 1:17:06
